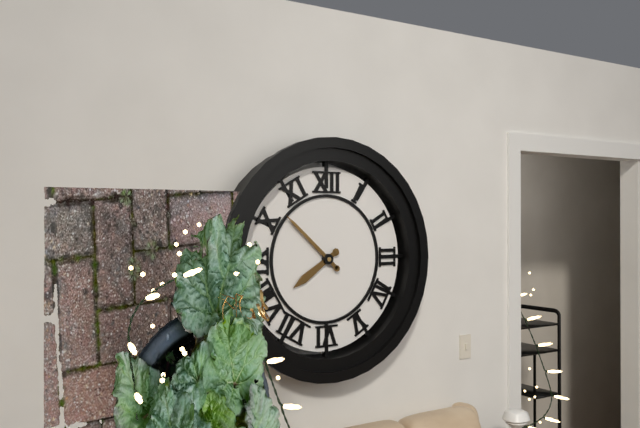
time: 7:52
